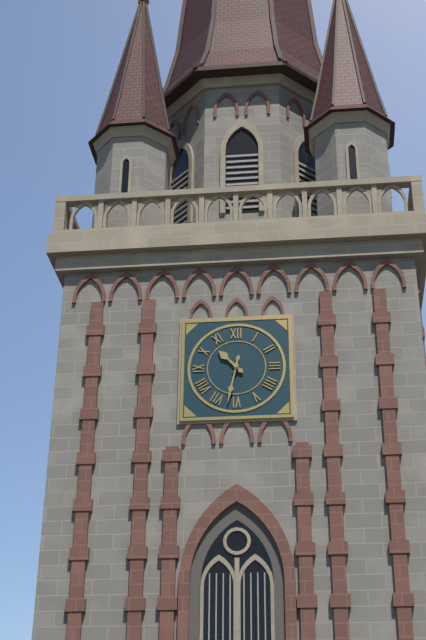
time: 10:32
